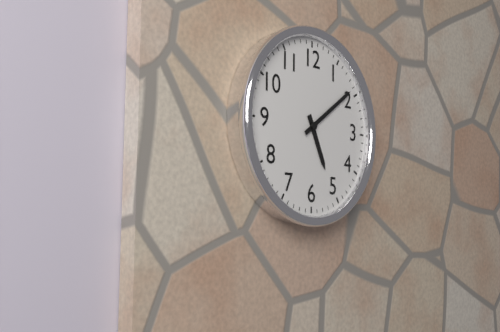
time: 5:09
